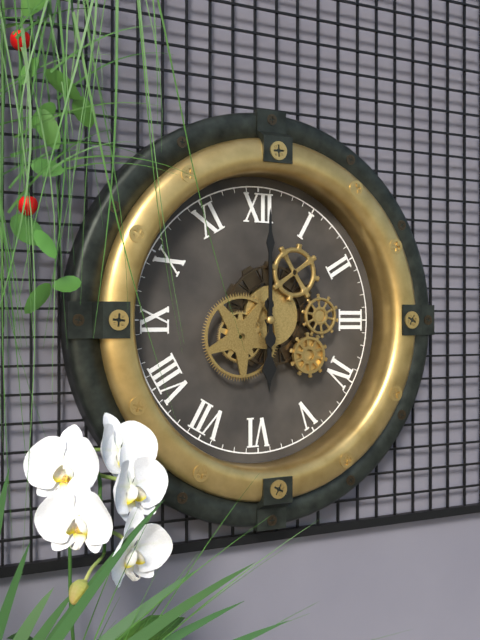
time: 6:00
